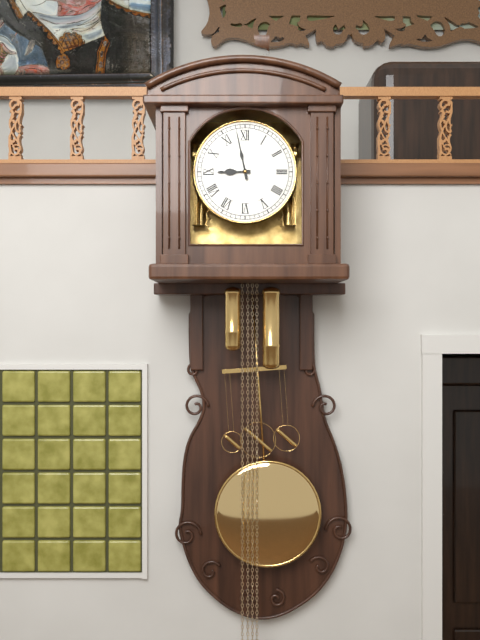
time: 8:58
